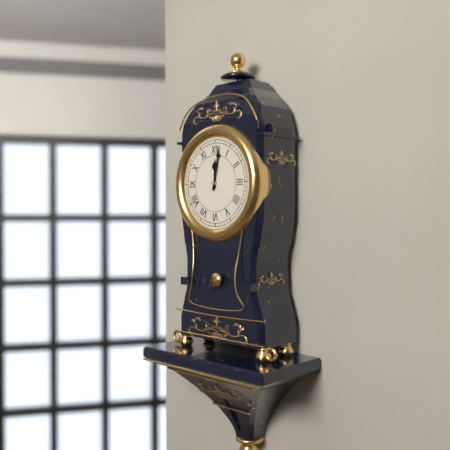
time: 12:02
